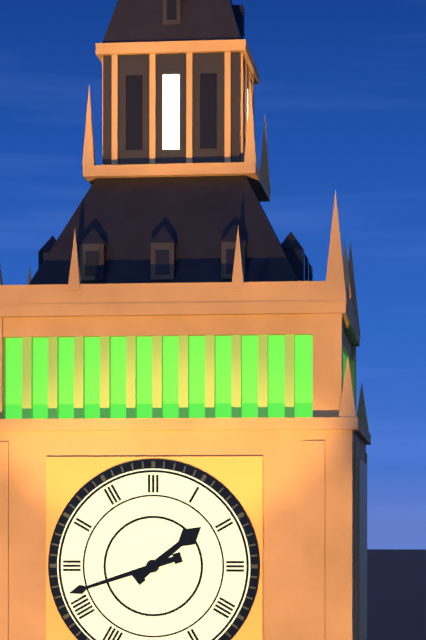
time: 1:42
